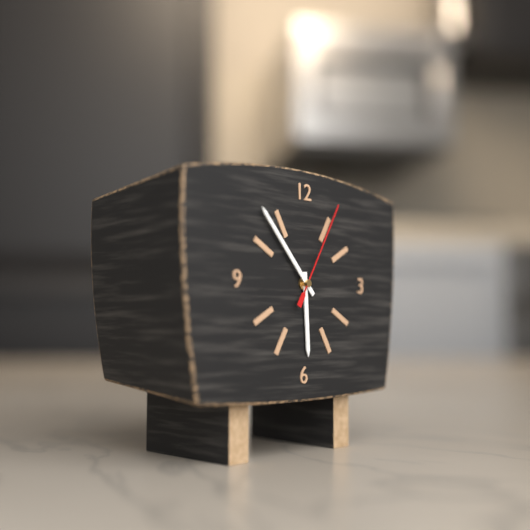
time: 5:53:05
